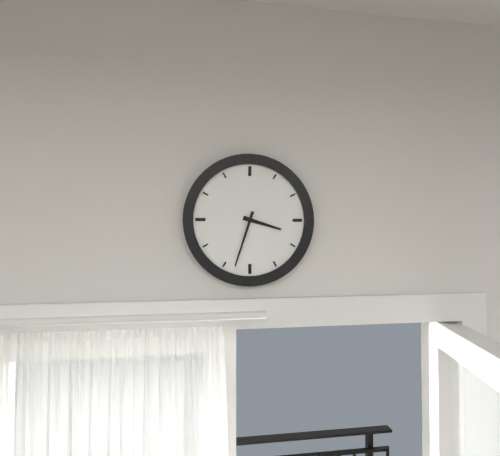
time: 3:33
